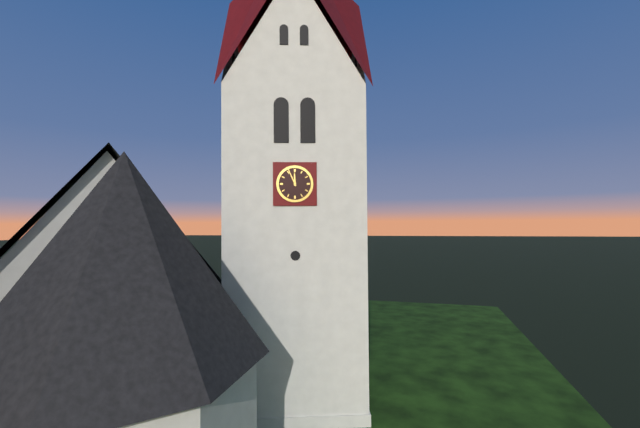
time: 11:56
